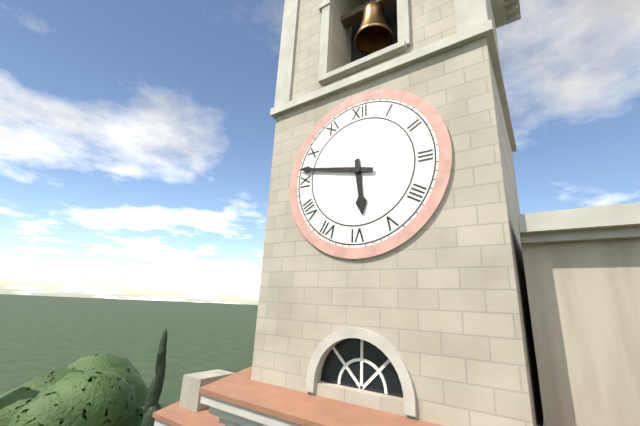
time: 5:47
